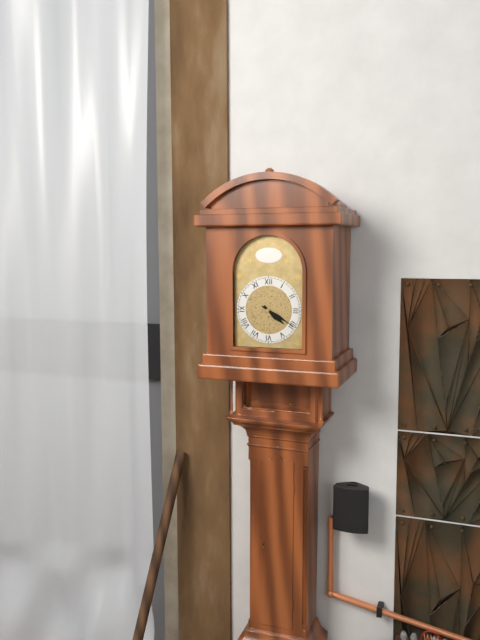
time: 4:20
